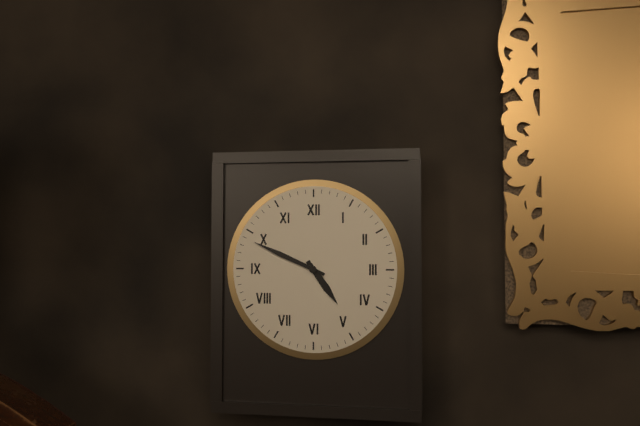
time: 4:49
